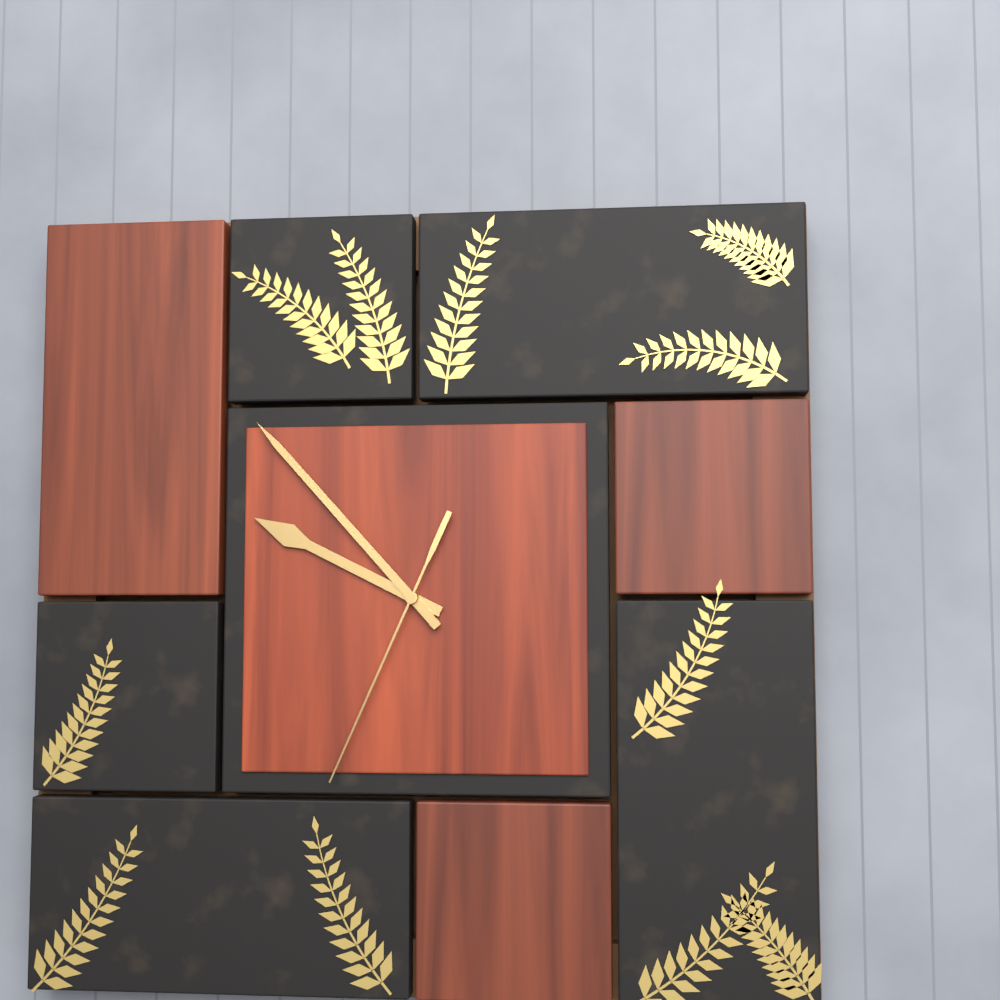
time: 9:53:34
